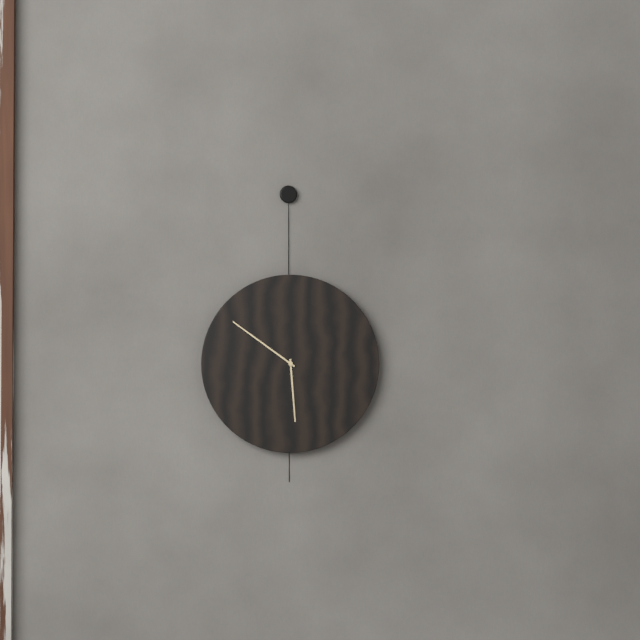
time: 5:51
